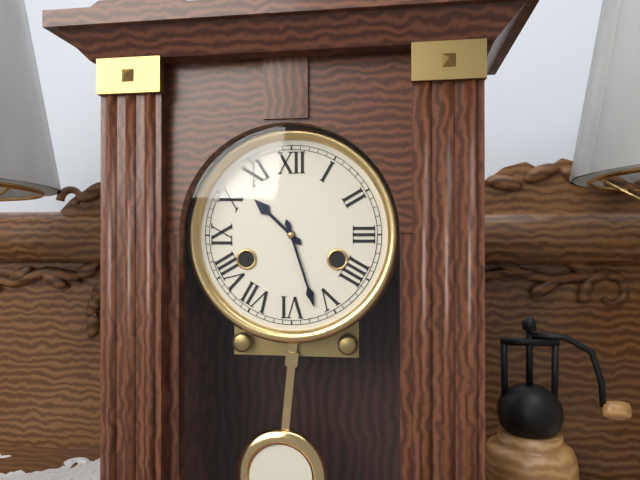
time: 10:27
